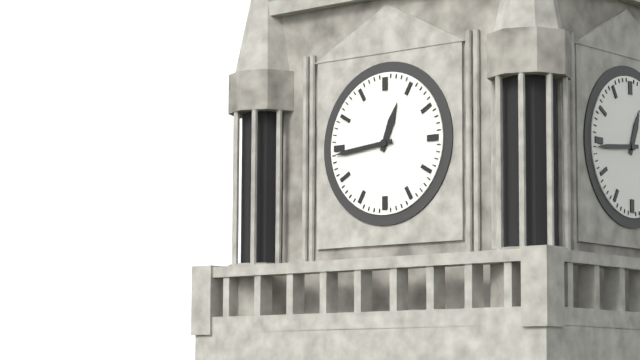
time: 12:44
